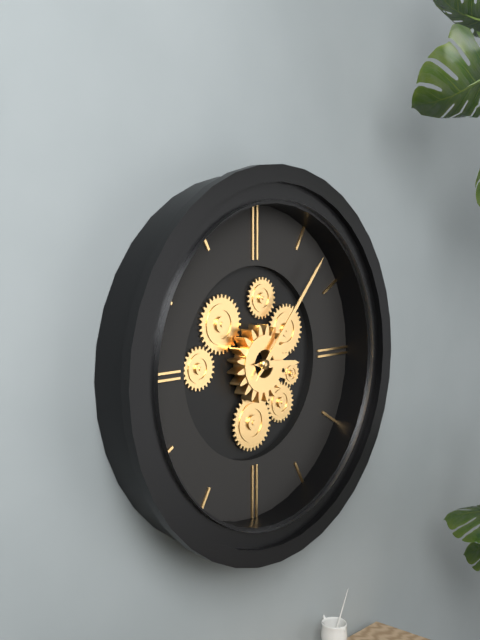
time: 3:07
